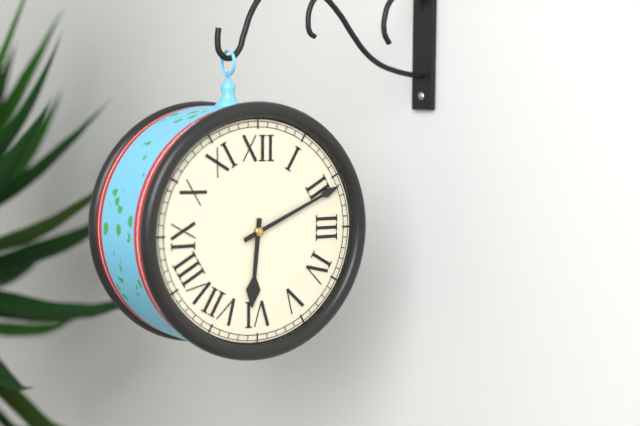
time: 6:11
